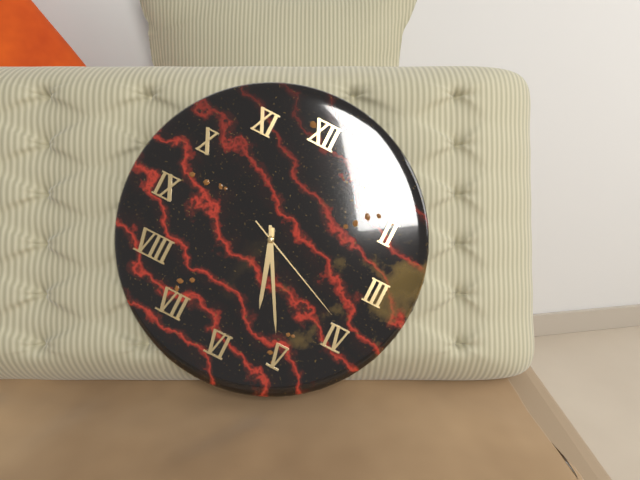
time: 5:25:19
